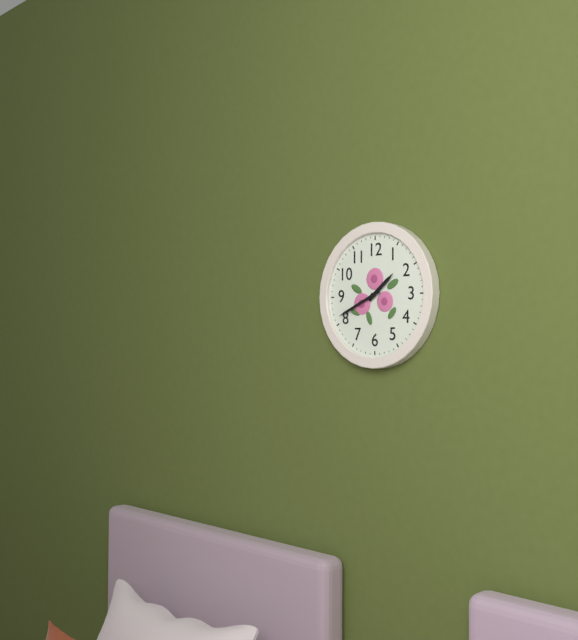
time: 1:41
